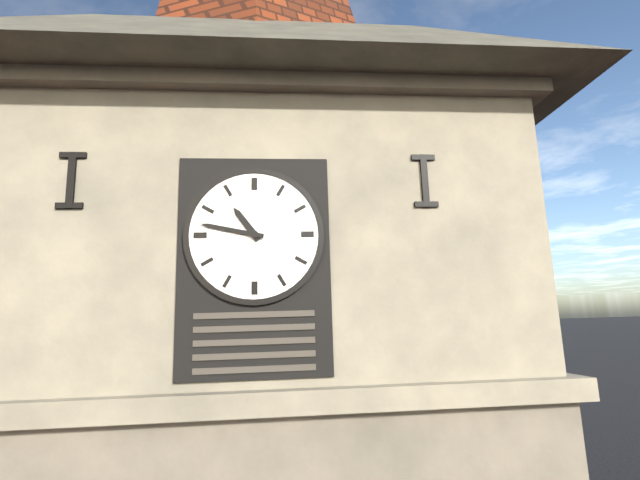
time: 10:47
